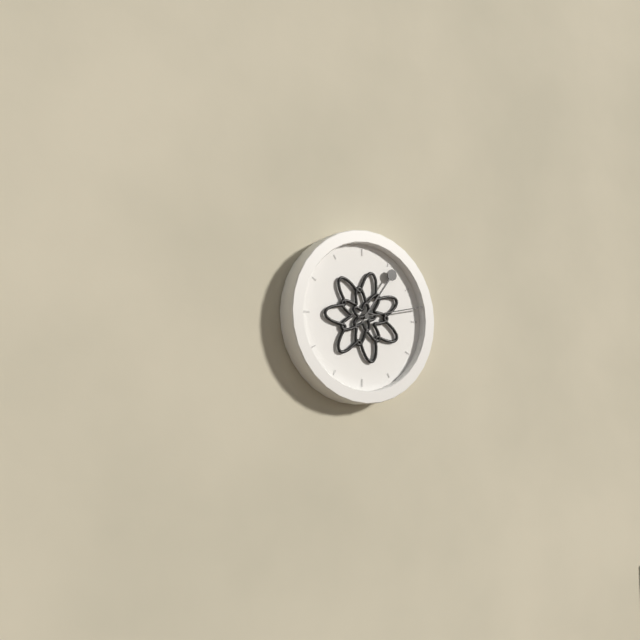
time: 1:13
